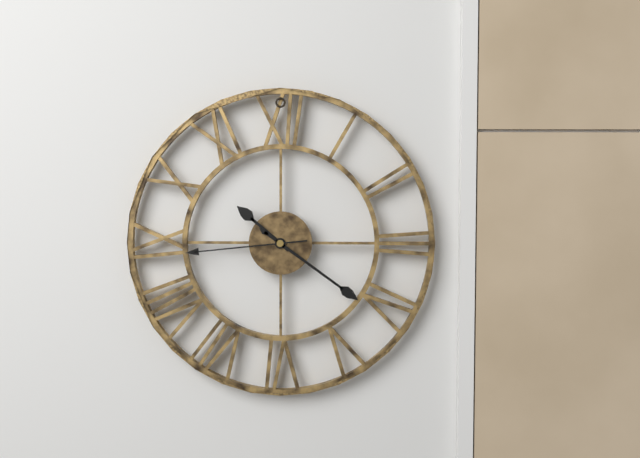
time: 10:21:44
